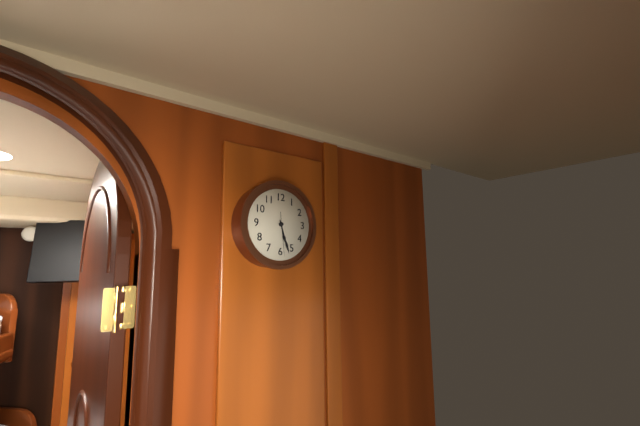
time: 5:27
